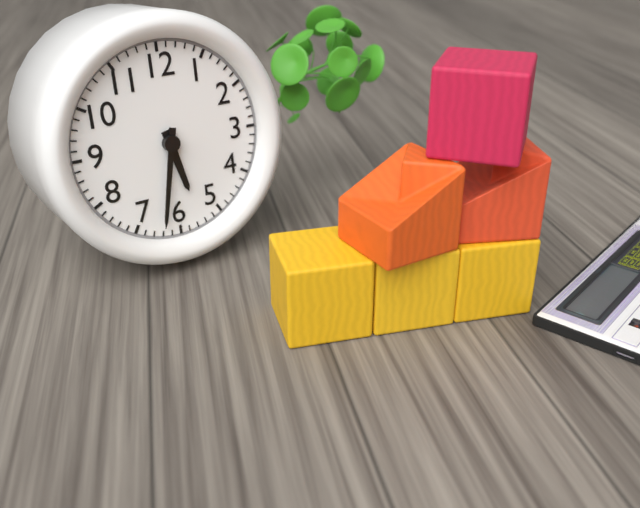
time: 5:32
